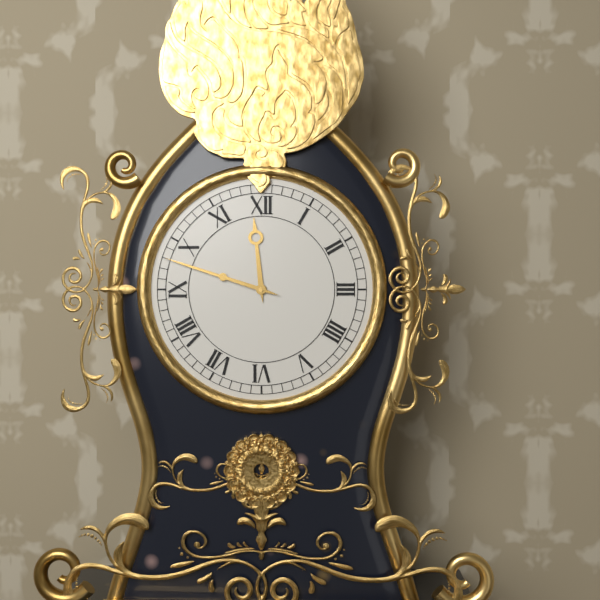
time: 11:48
